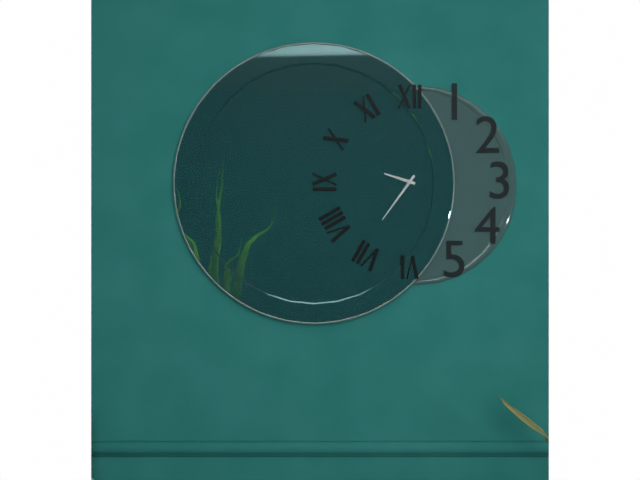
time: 9:36
